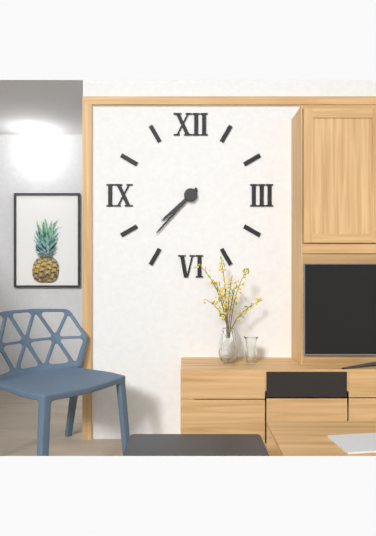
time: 7:37
